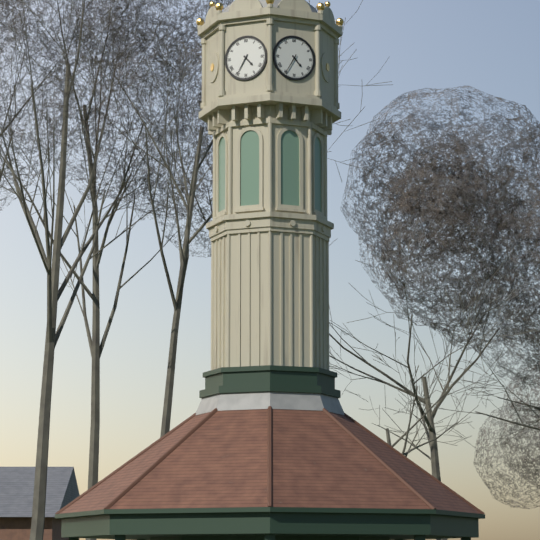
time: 4:35
